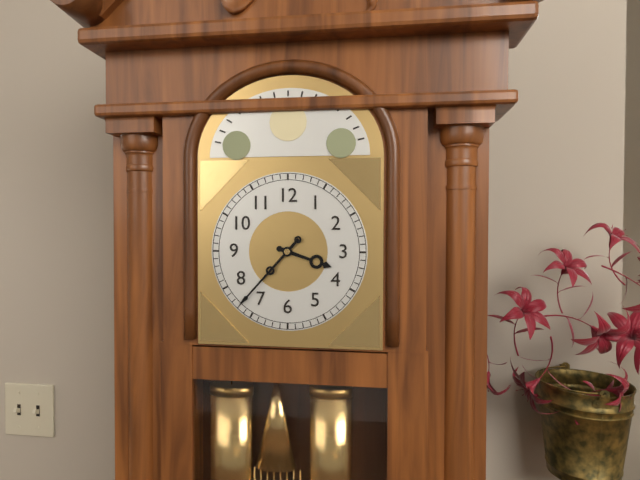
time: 3:37
